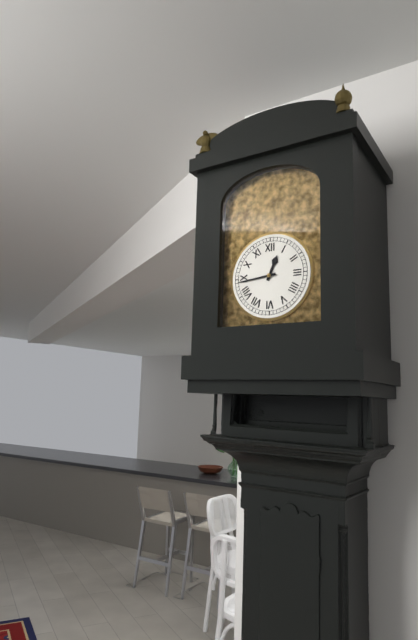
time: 12:44
